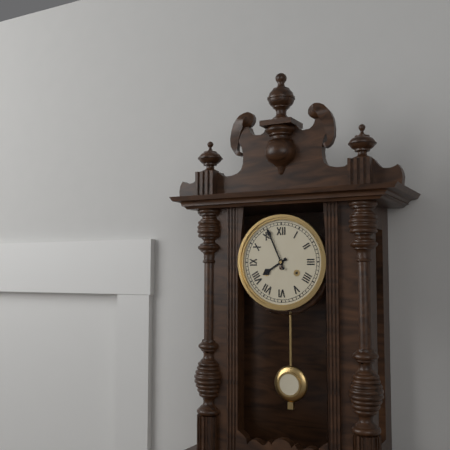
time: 7:56
